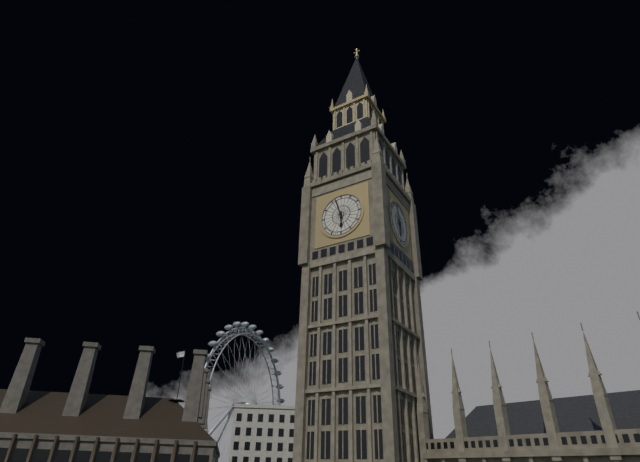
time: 5:57
